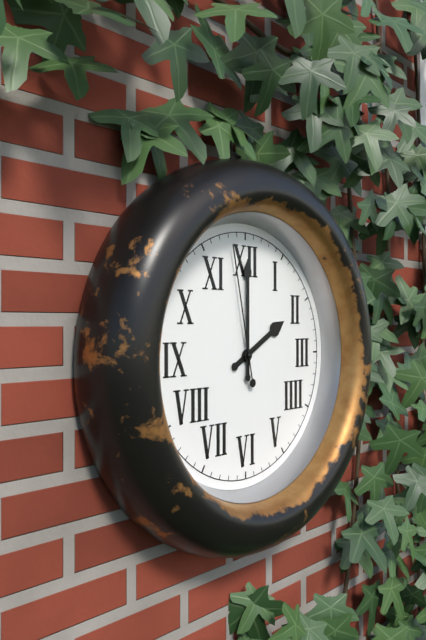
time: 2:00:58
